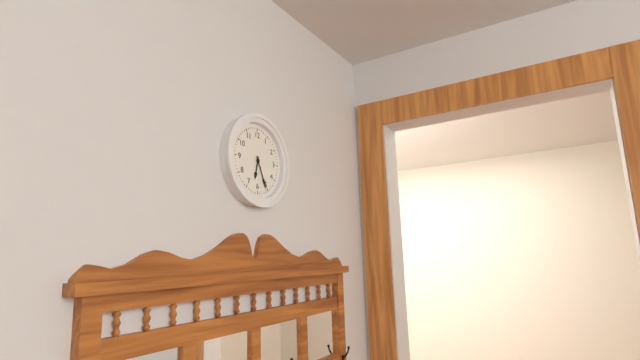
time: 6:26
